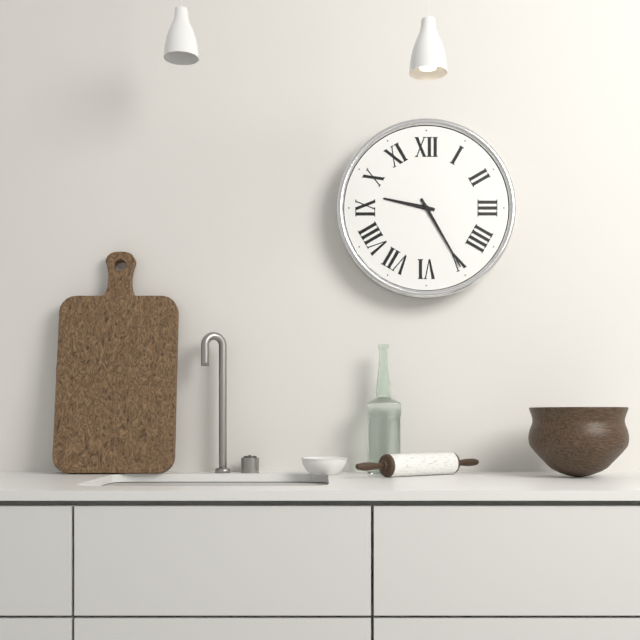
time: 9:25
